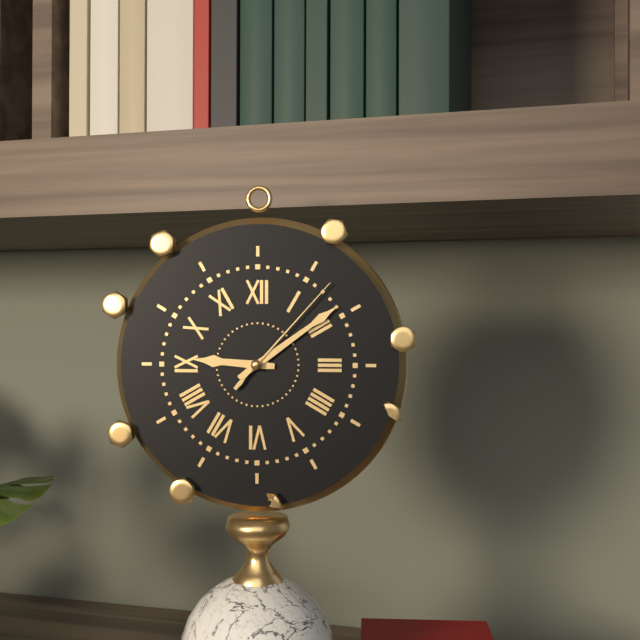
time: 9:09:07
